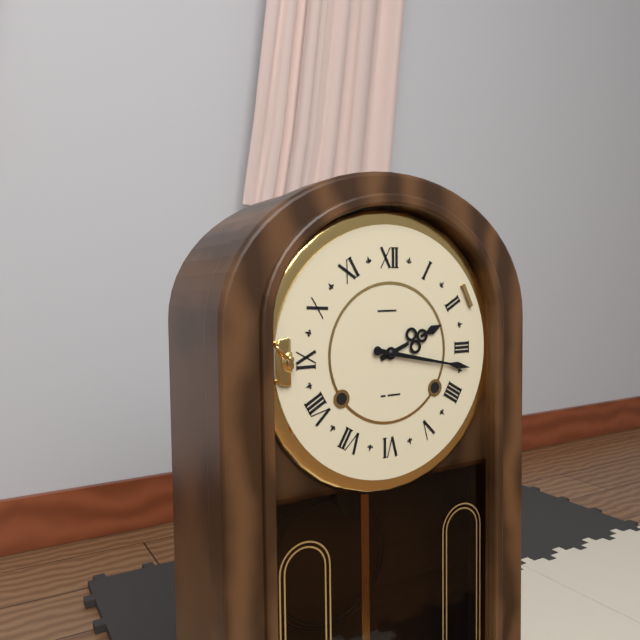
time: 2:17
